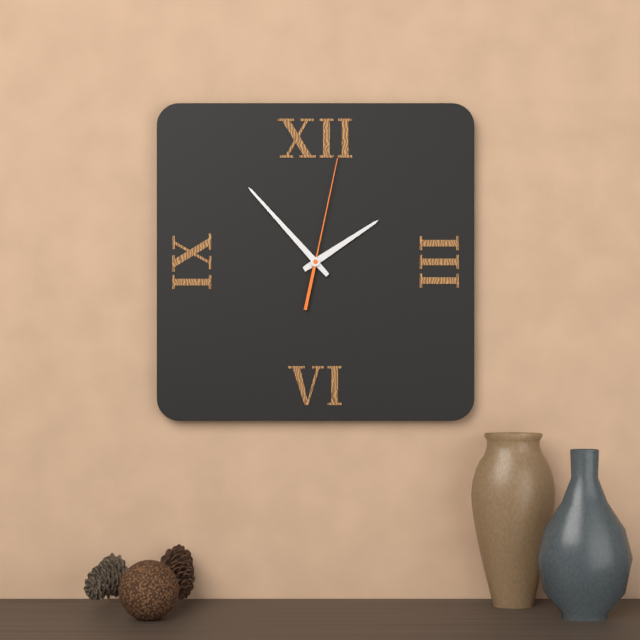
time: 1:53:02
